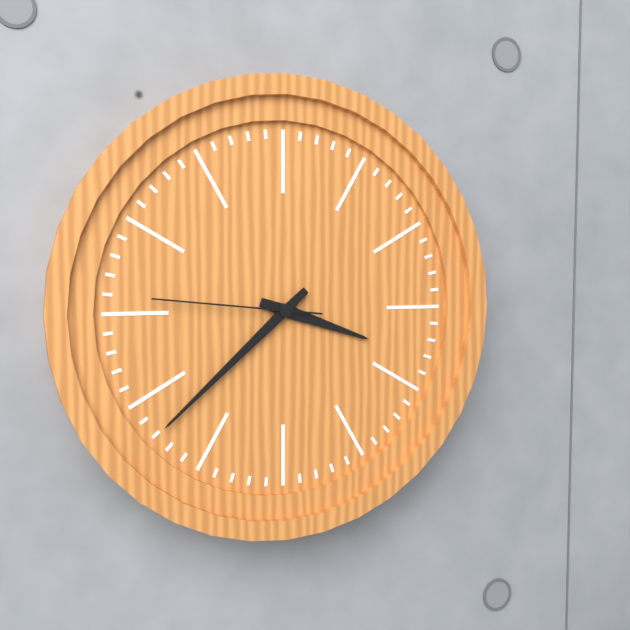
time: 3:38:46
